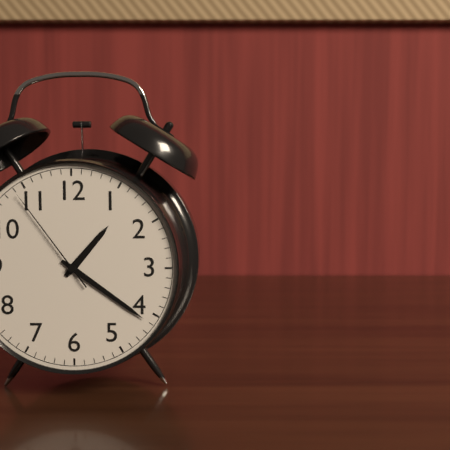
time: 1:21:54
